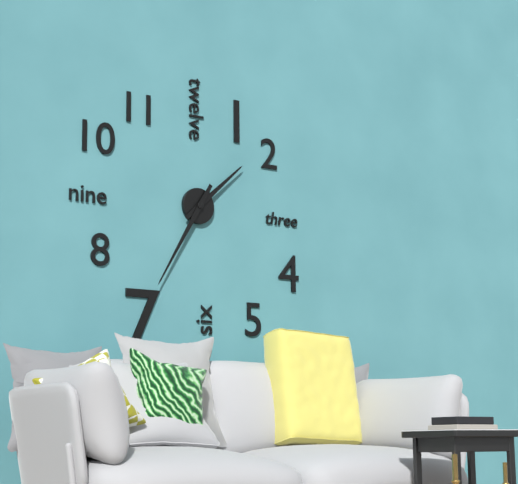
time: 1:35
